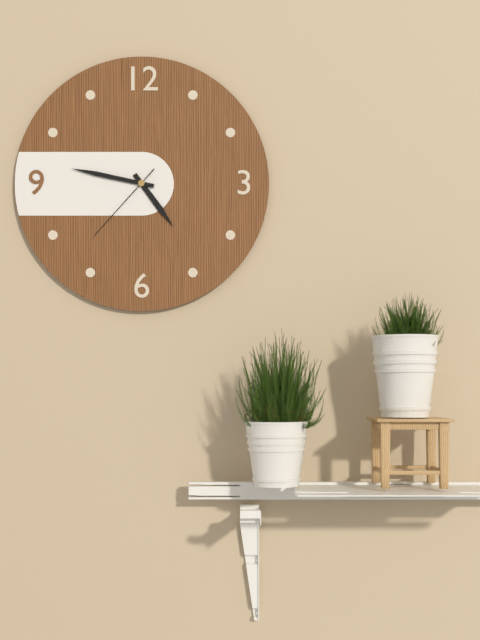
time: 4:47:37
